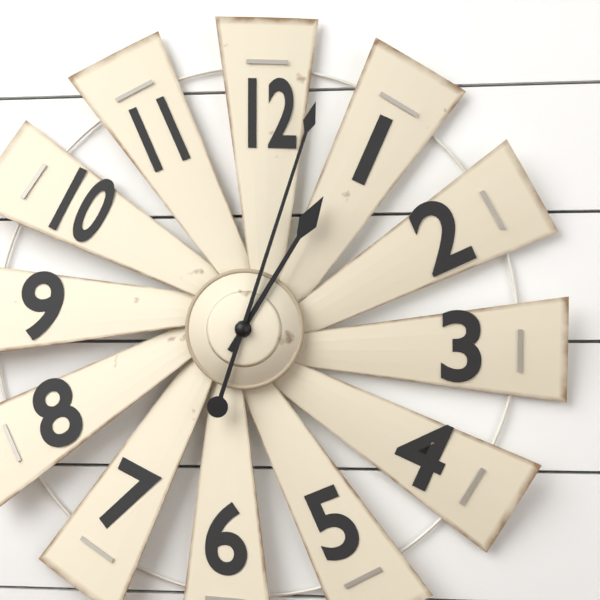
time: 1:03
